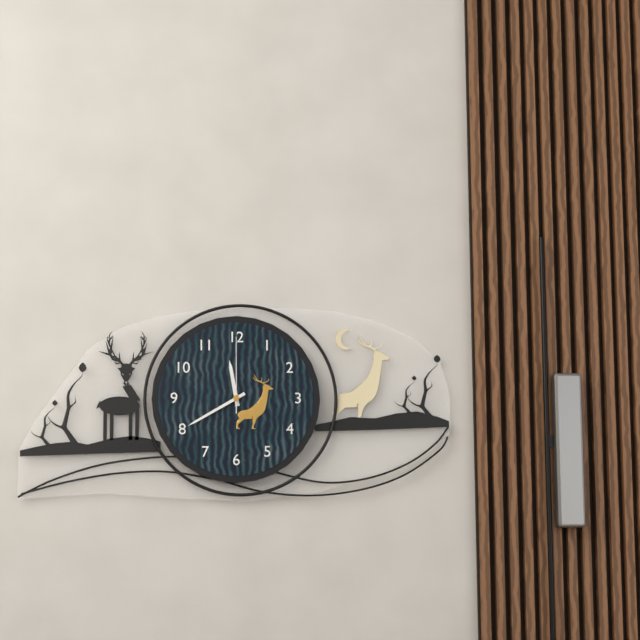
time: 11:40:00
